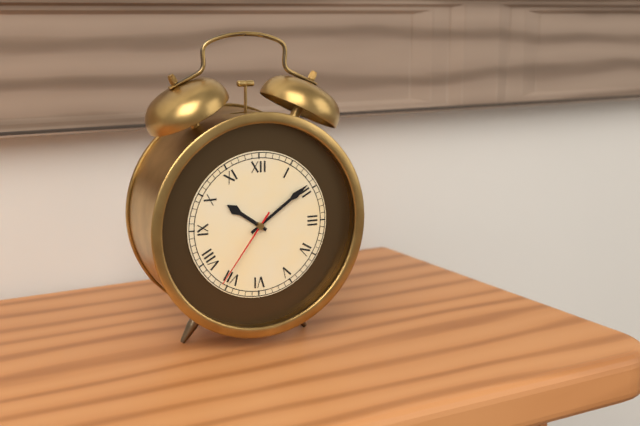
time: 10:09:36
